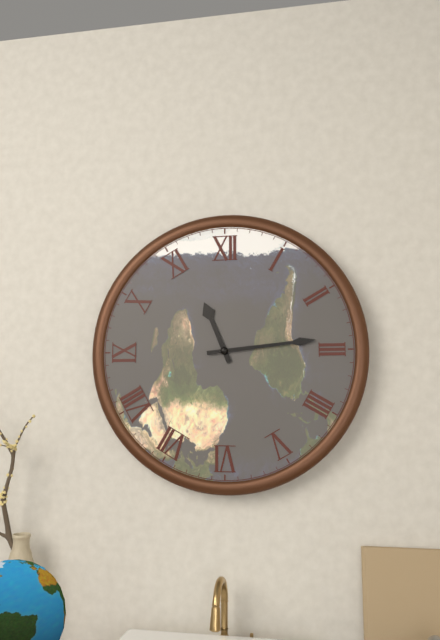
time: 11:14
